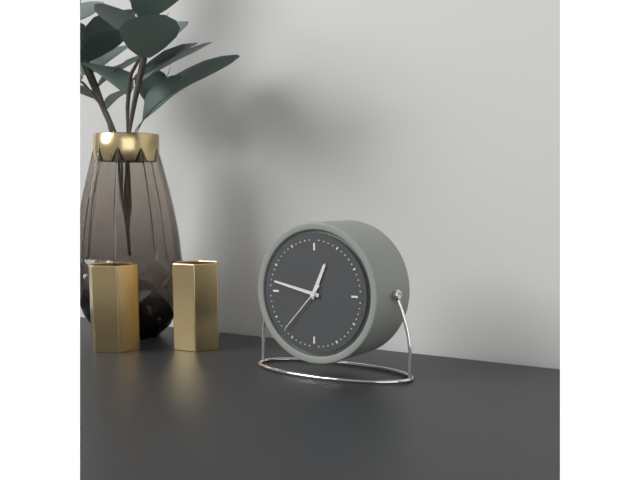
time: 12:47:37
